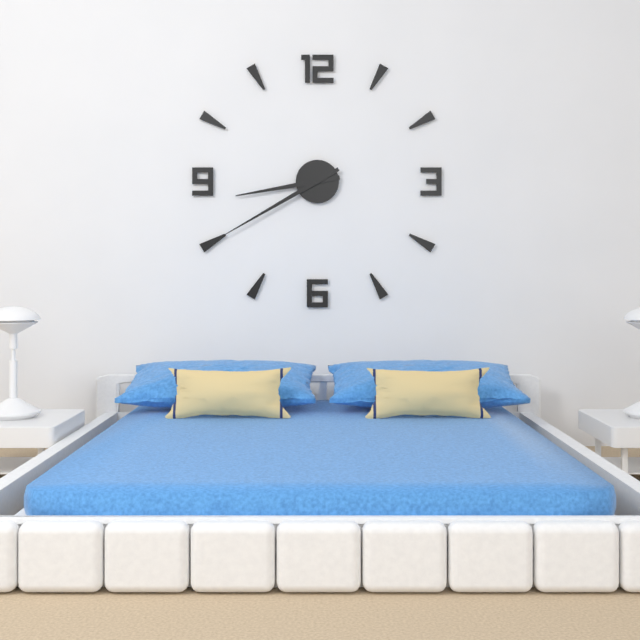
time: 8:40
